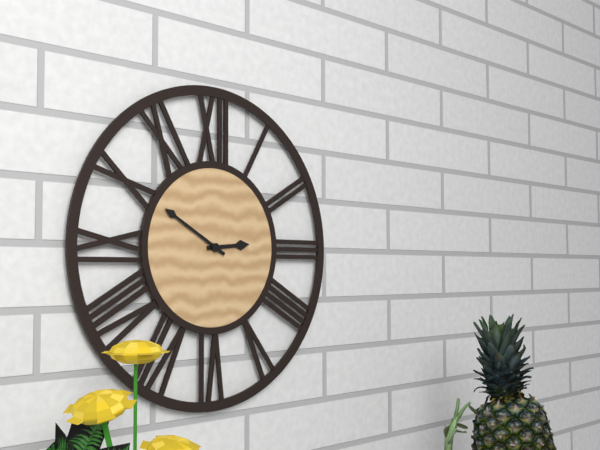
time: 2:50
